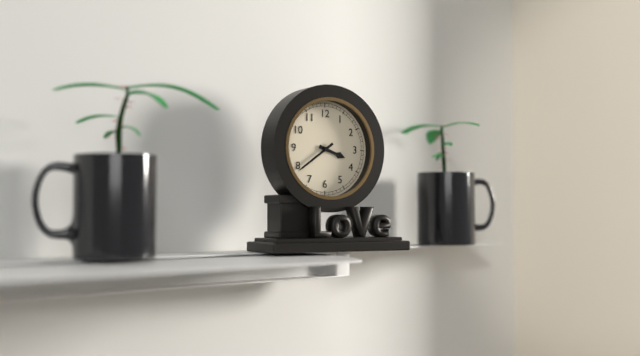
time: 3:39
